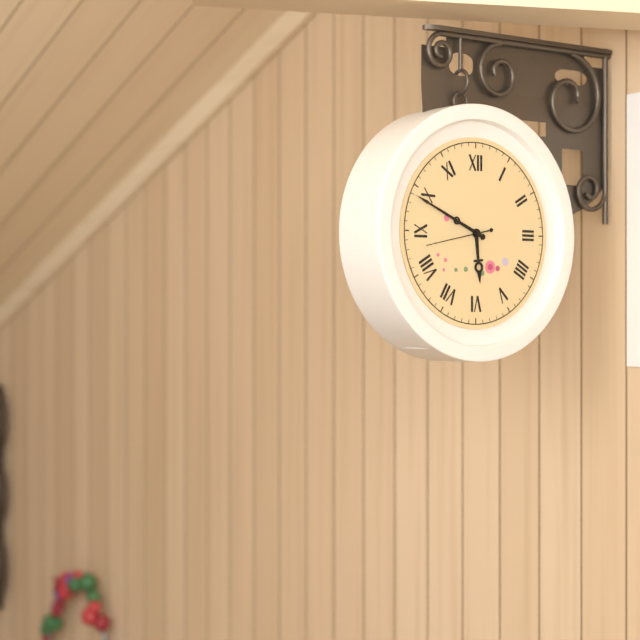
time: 5:49:43
